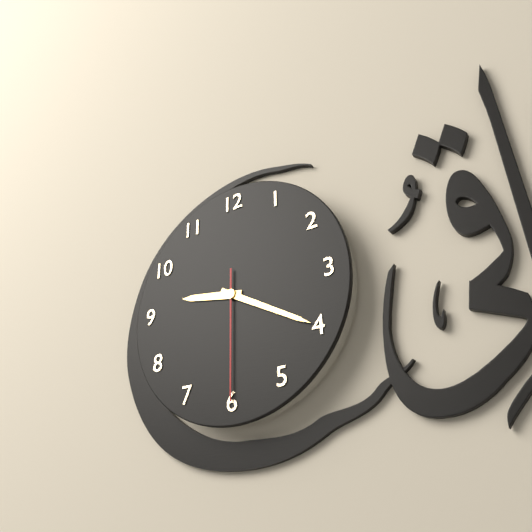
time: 9:20:30
